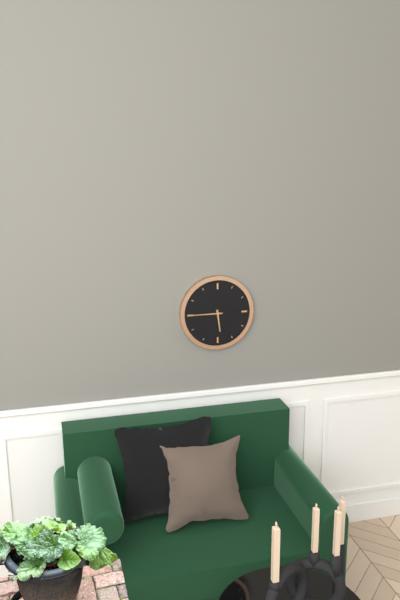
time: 5:45
